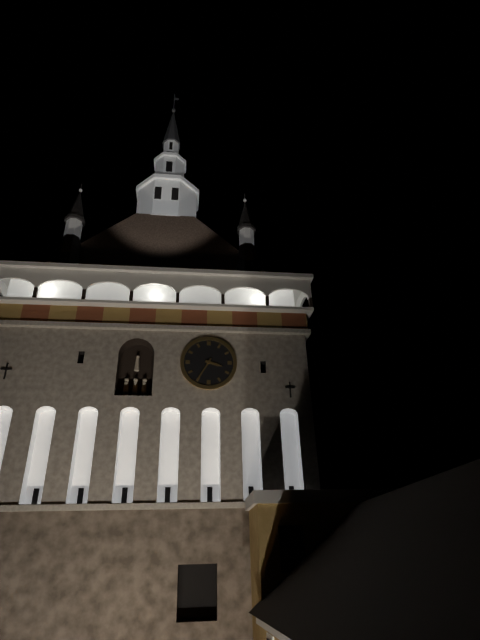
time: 3:35
